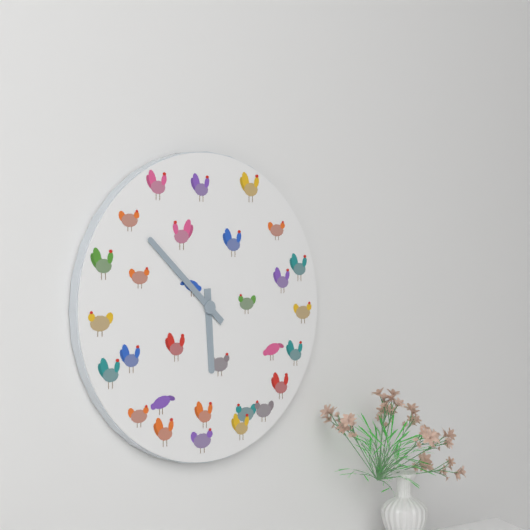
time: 5:52
